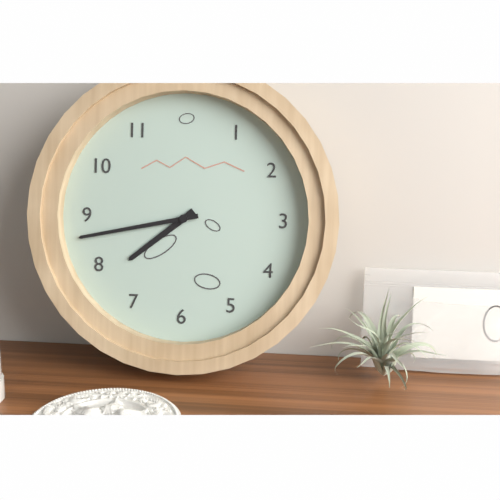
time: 7:43
